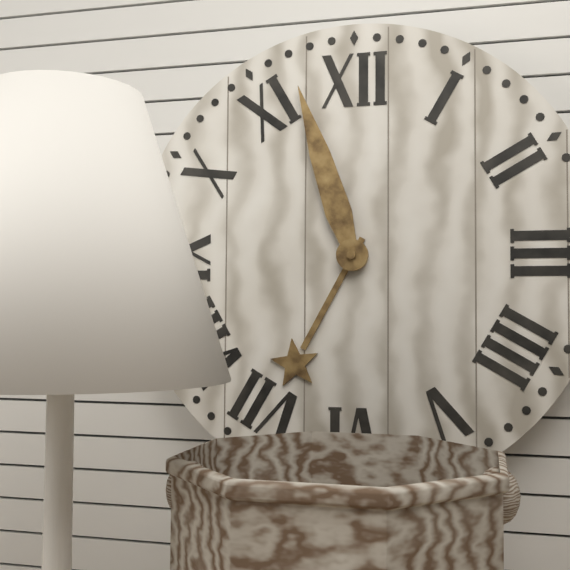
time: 6:57
